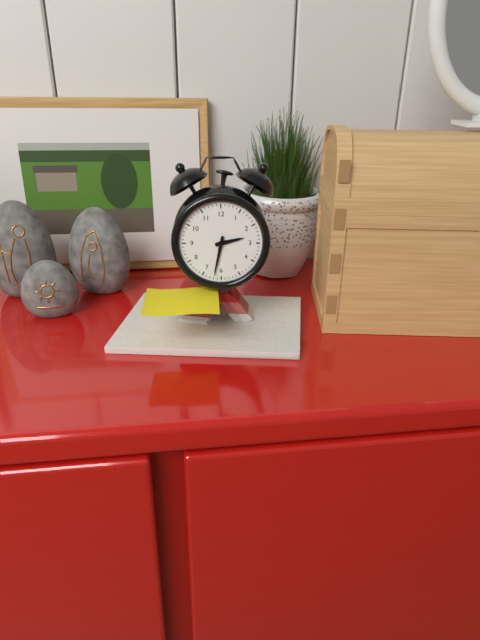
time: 2:32
